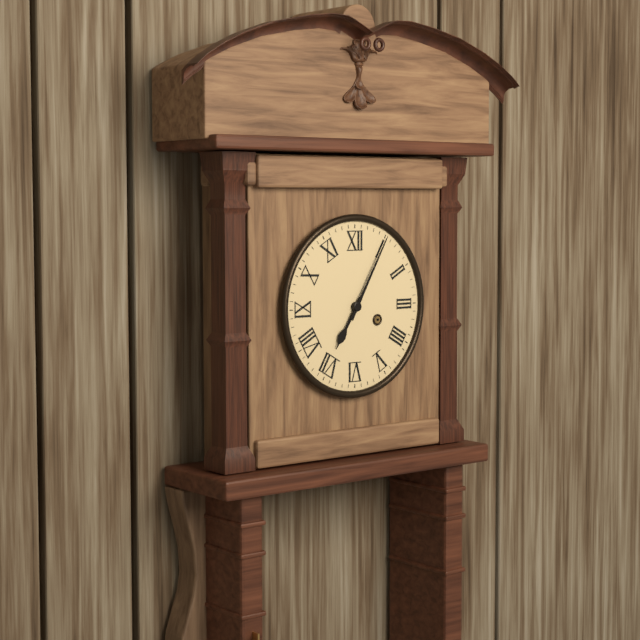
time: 7:05
